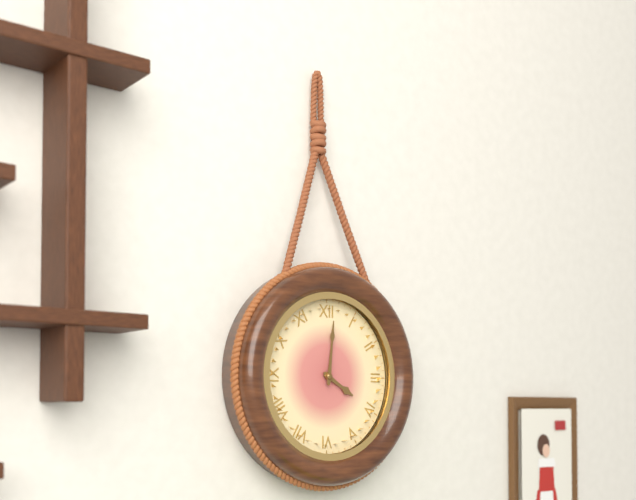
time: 4:01
